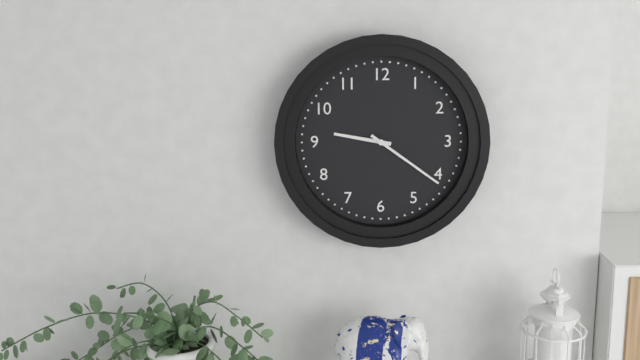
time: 9:21
